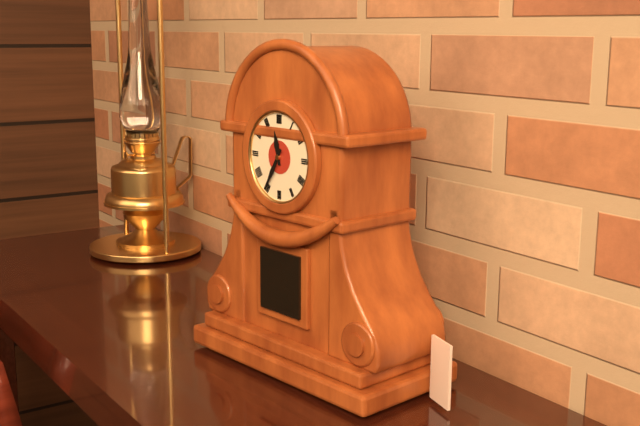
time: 11:35
